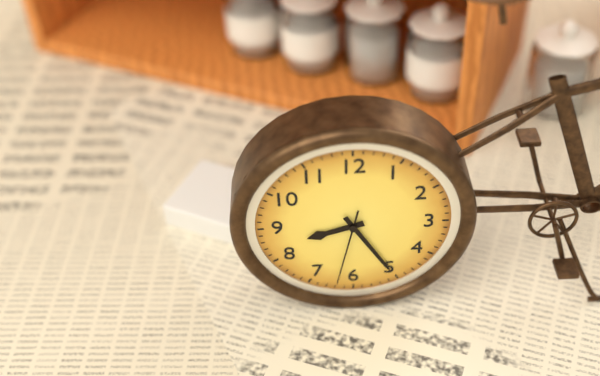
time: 8:25:32
